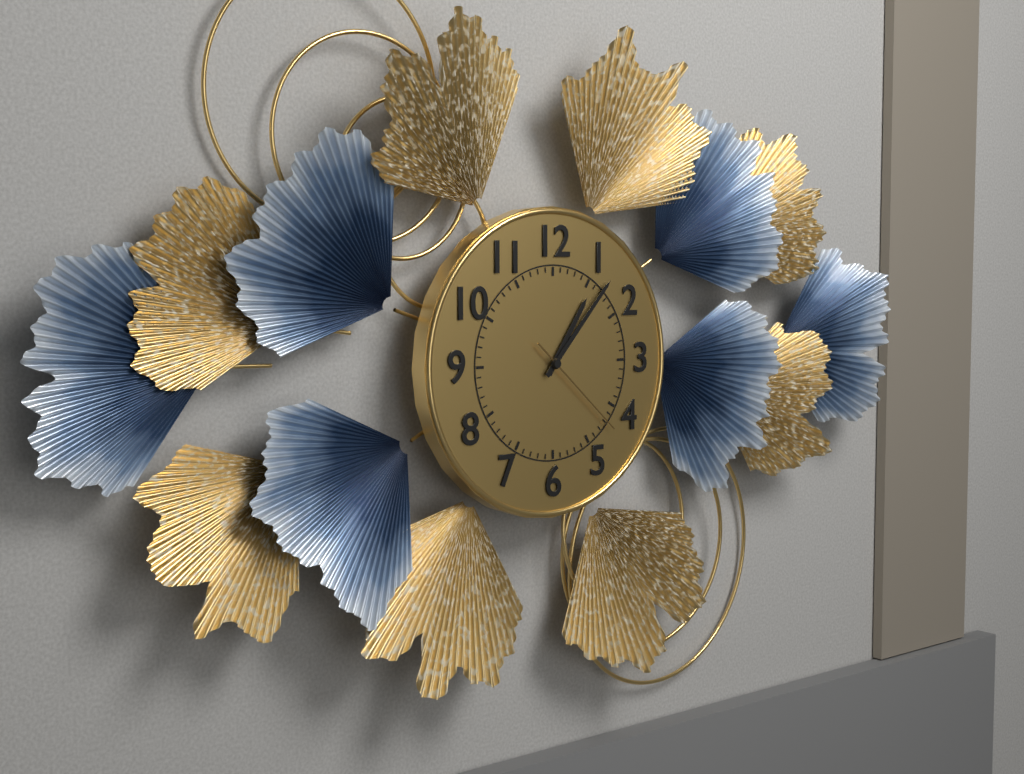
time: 1:07:22
